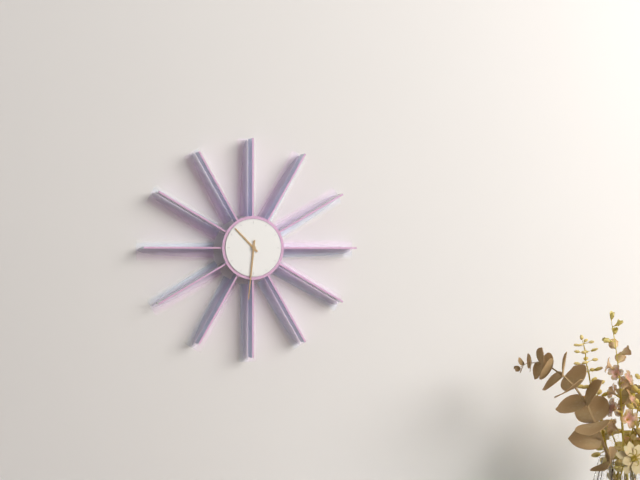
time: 10:31
